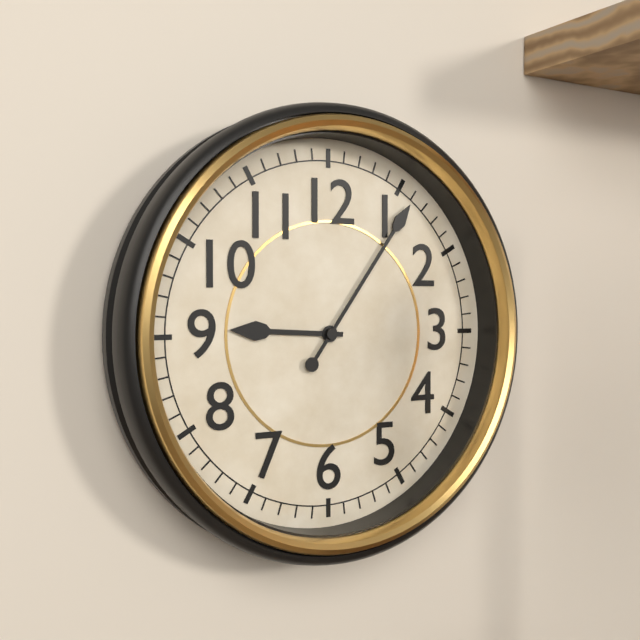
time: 9:06
